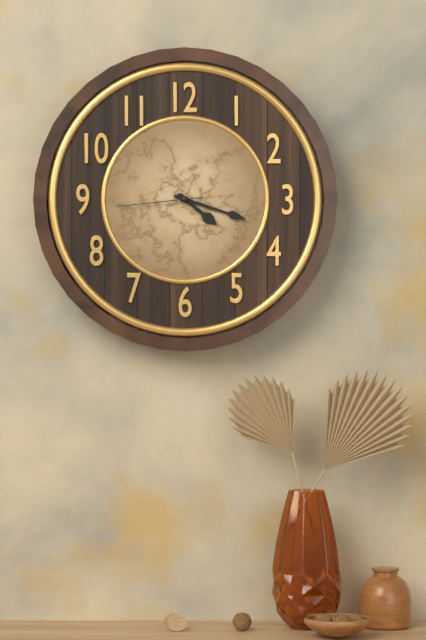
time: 4:18:44
